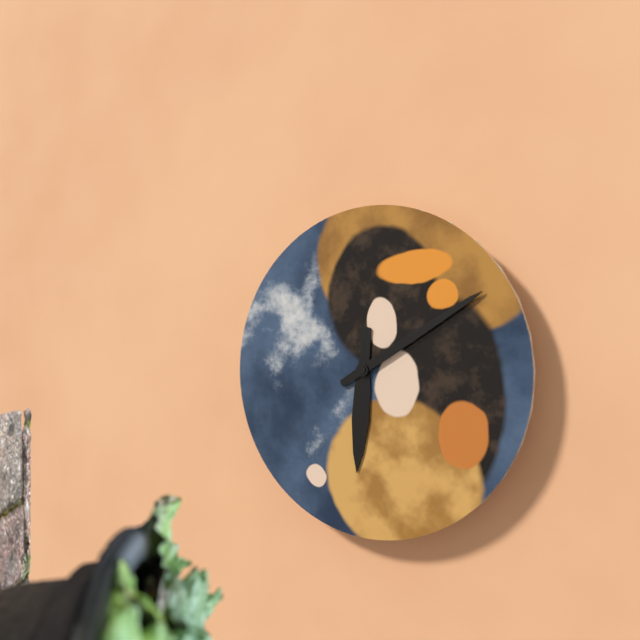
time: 6:10
